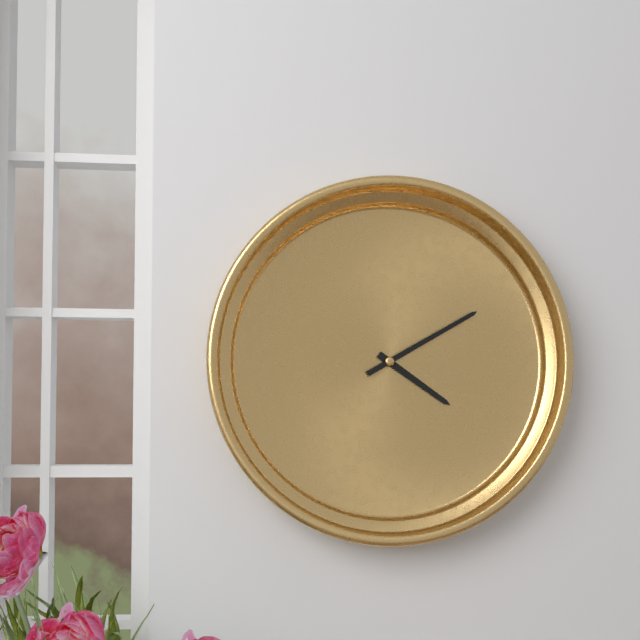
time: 4:10
